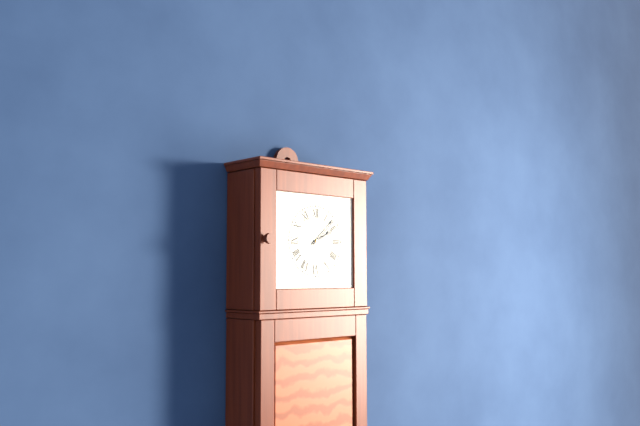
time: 2:08
